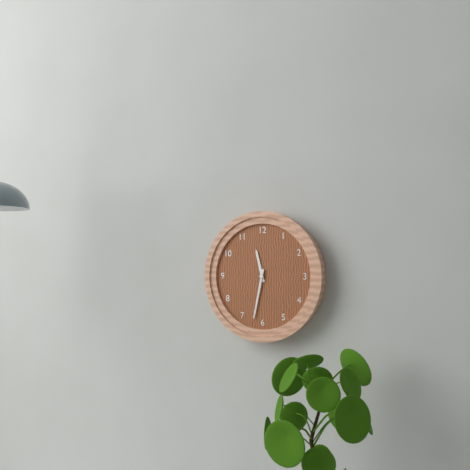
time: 11:32
